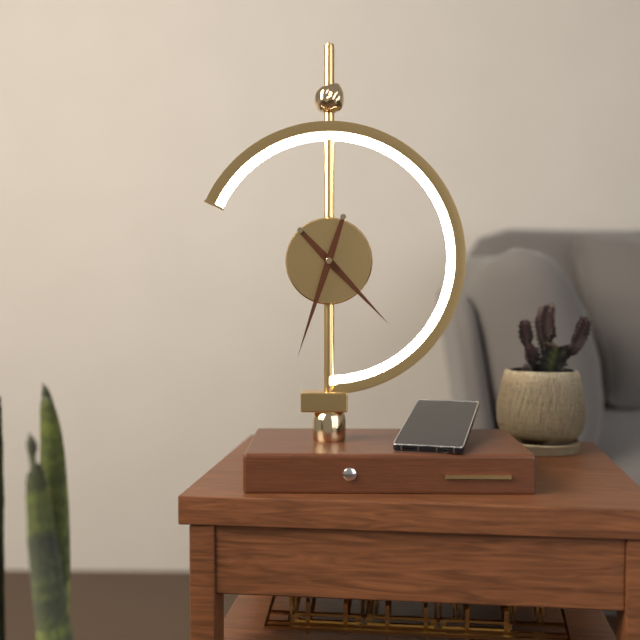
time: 4:33
